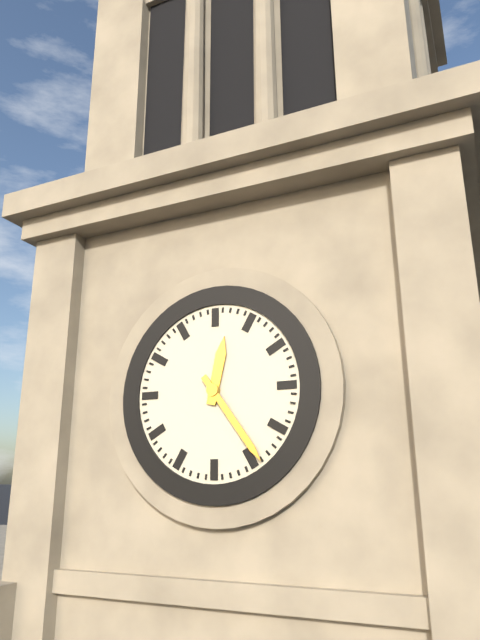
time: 12:24
